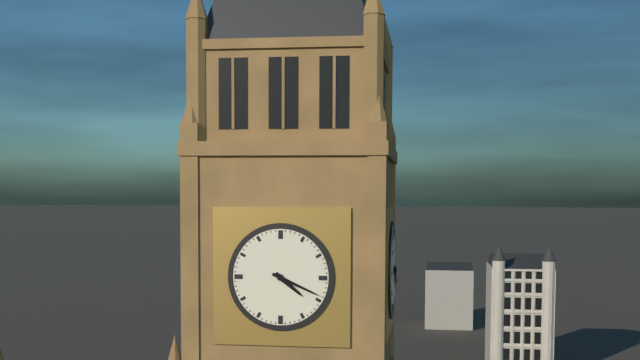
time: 4:19
